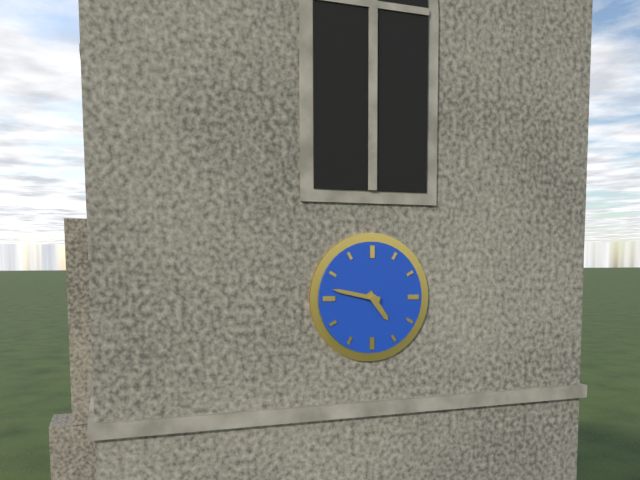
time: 4:47
